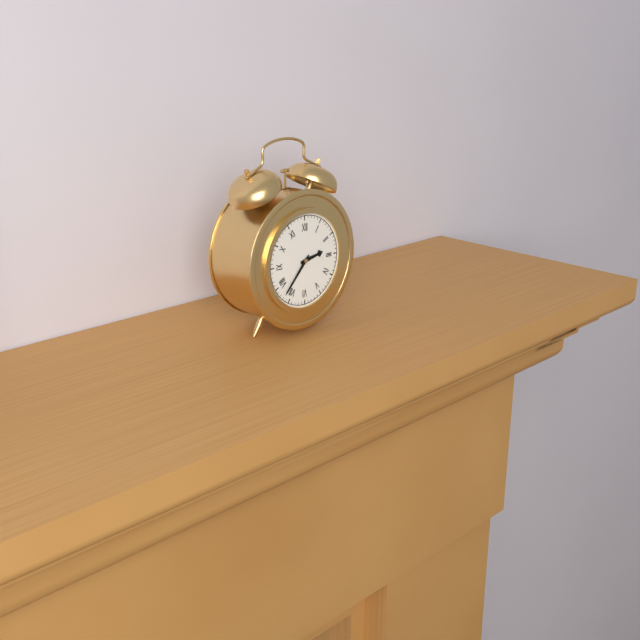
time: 2:37
